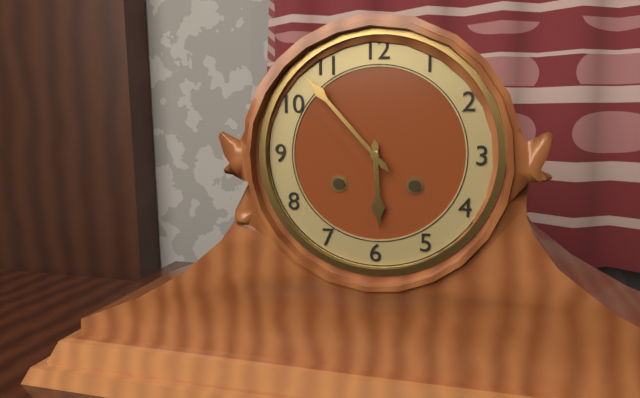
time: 5:53
